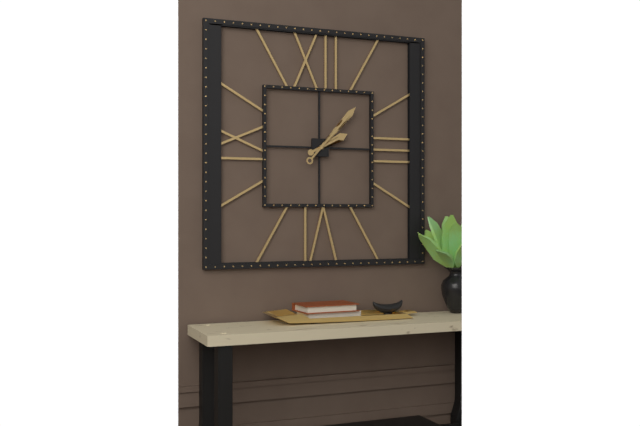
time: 2:07
